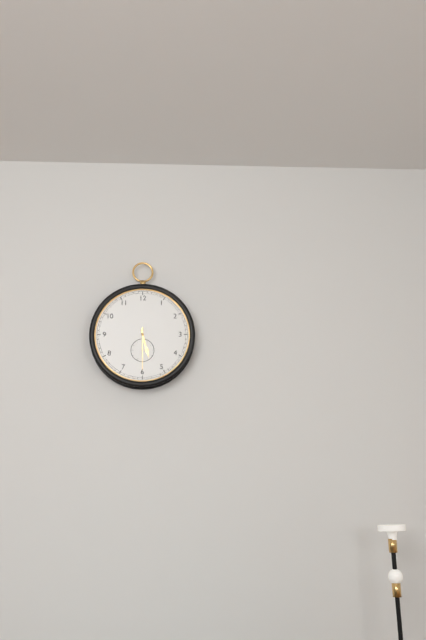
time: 5:30
